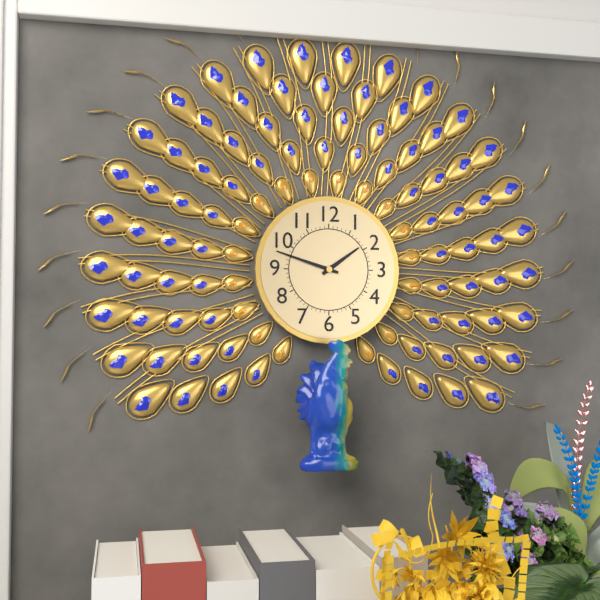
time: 1:48
